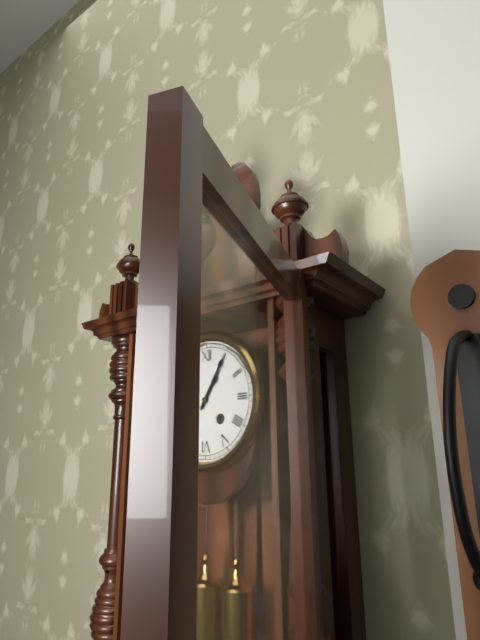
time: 1:05
